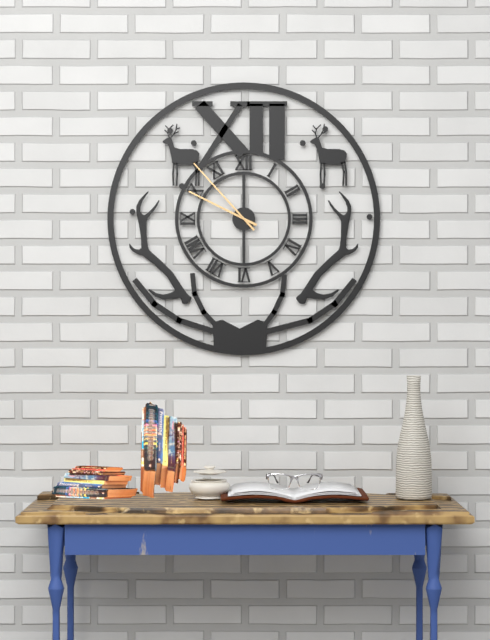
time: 9:53
